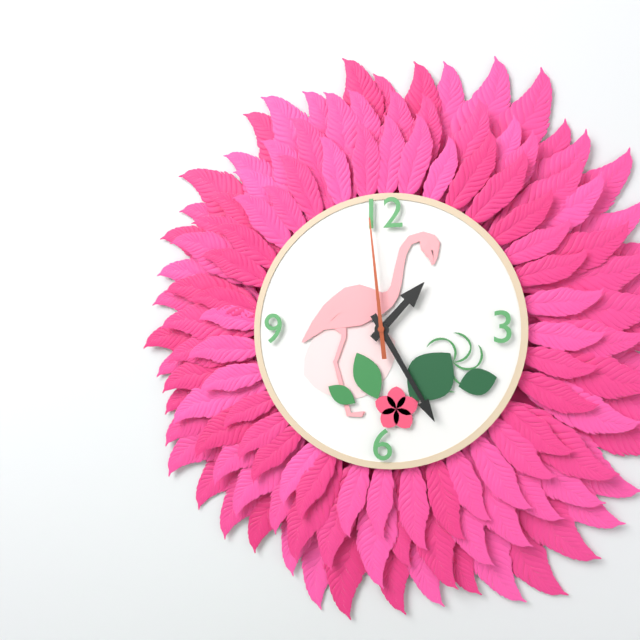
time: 1:25:59
